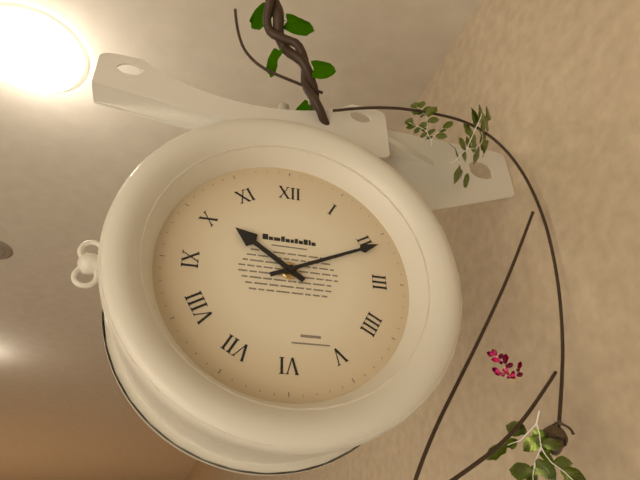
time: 10:11
